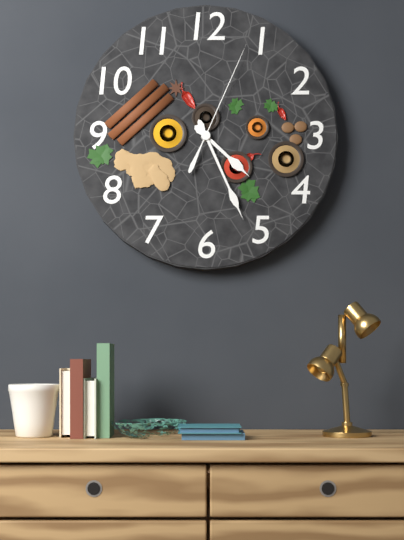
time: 4:26:04
